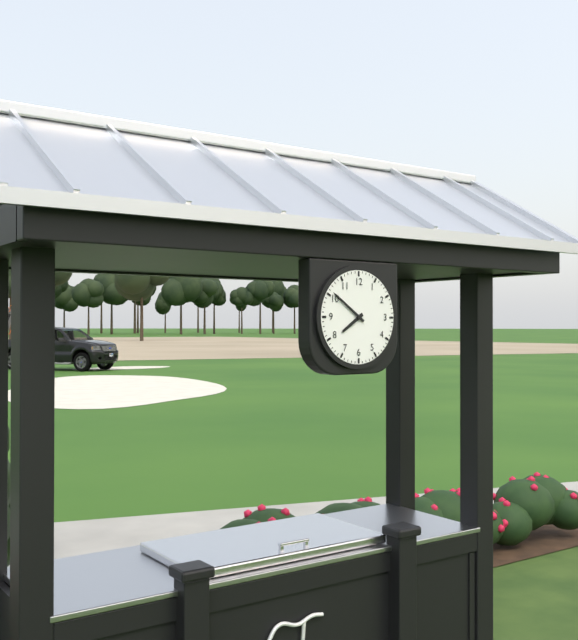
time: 7:51
